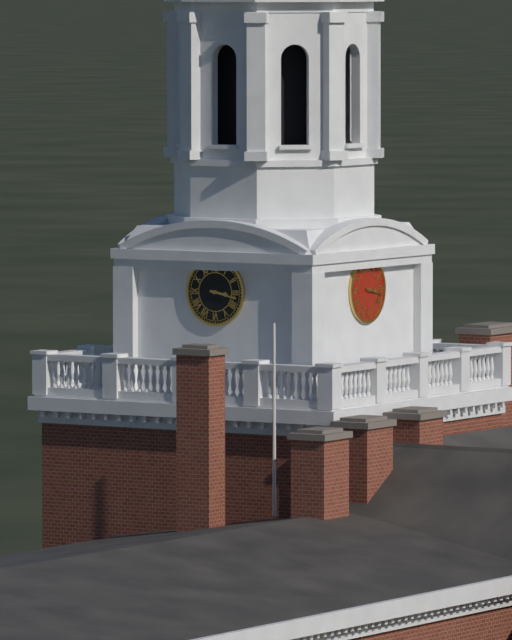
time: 3:17
